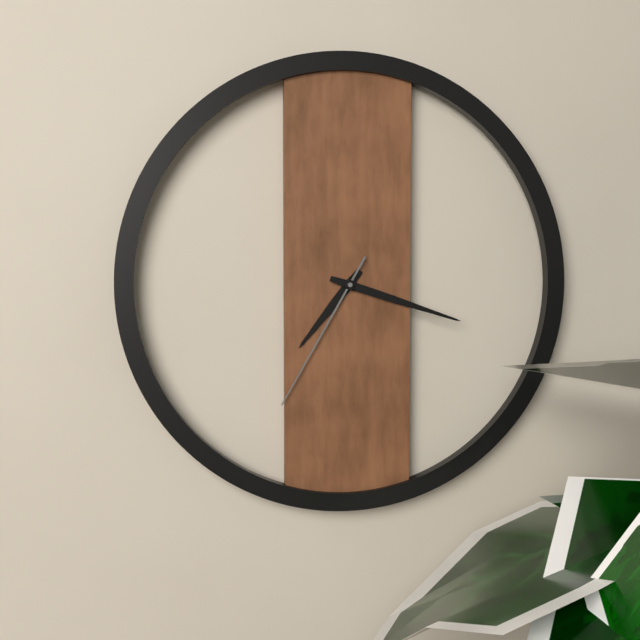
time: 7:18:35
